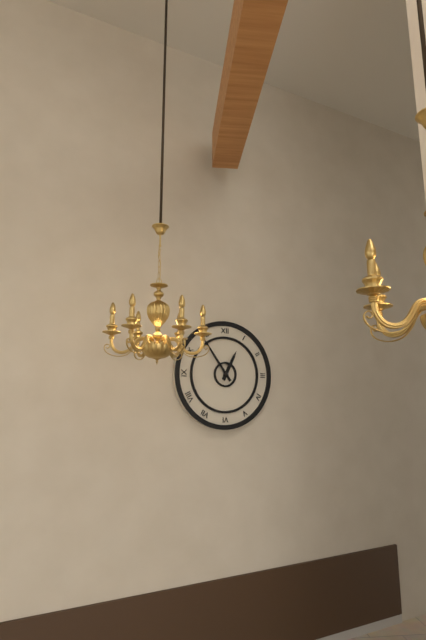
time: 12:54
